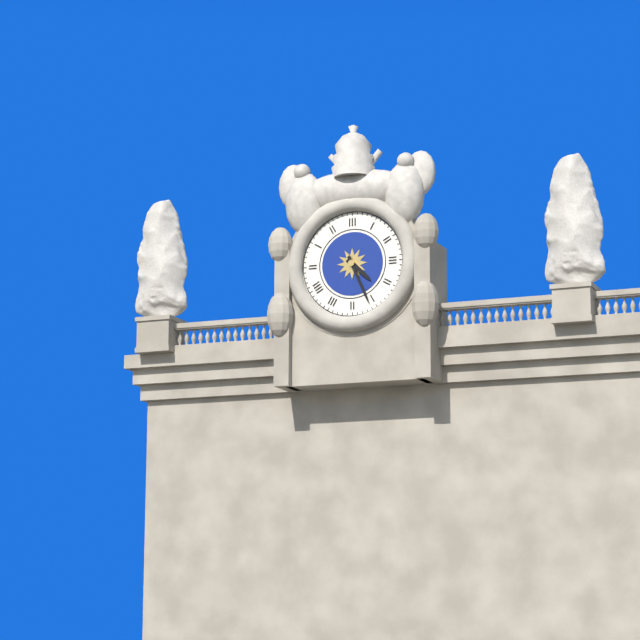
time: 4:26
